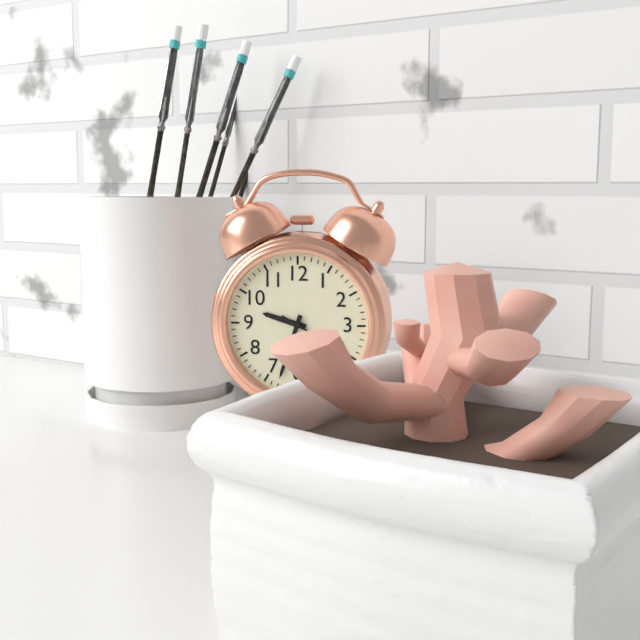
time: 9:33
